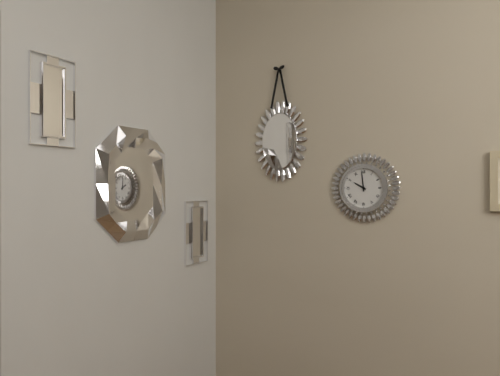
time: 9:59
